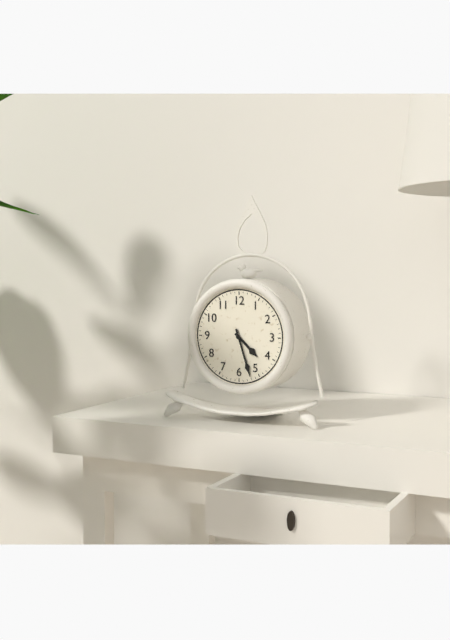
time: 4:27
